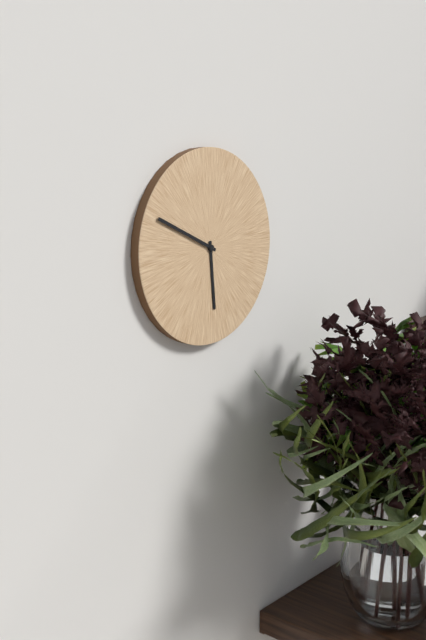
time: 5:49
